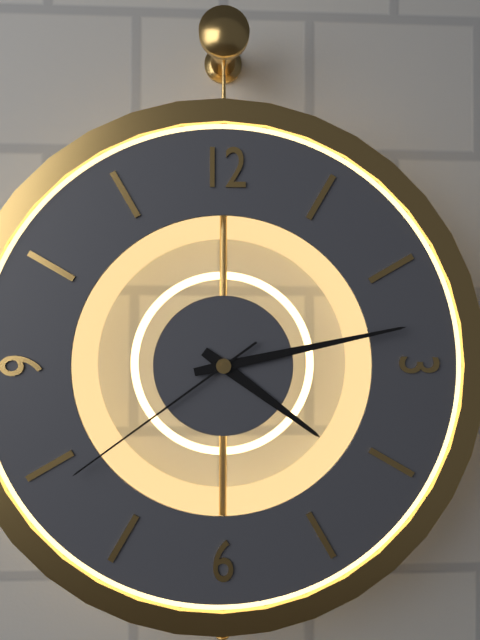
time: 4:13:39
